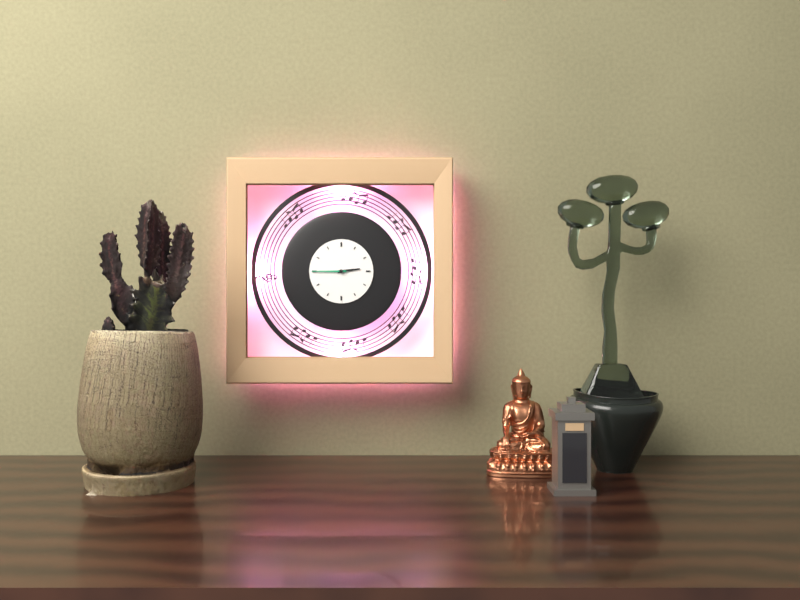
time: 2:45
